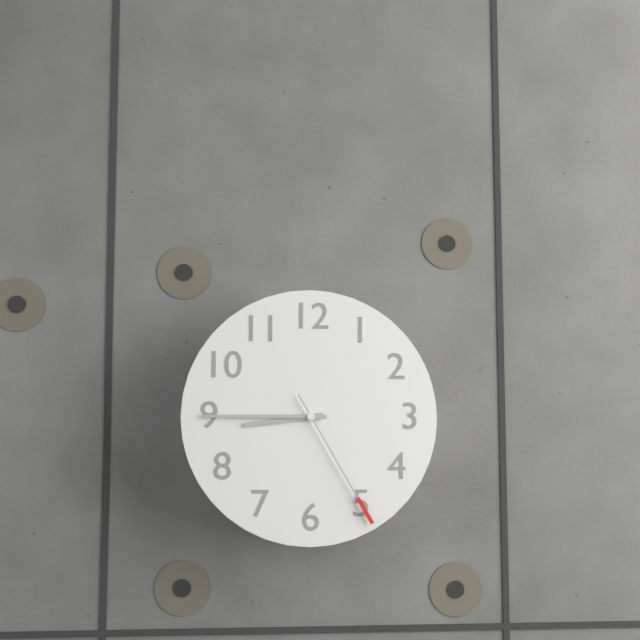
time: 8:45:25
